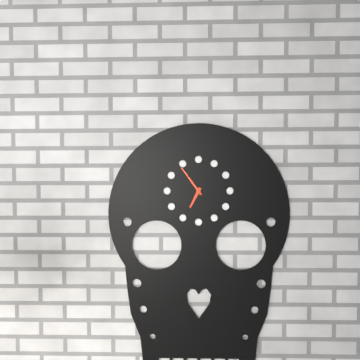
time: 6:54
